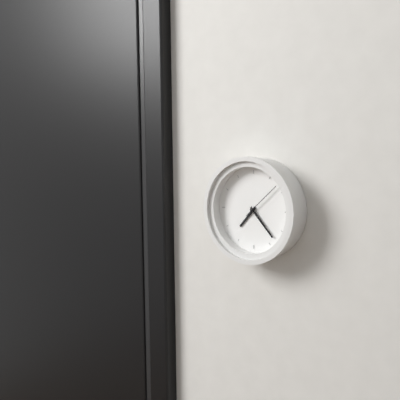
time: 7:23
